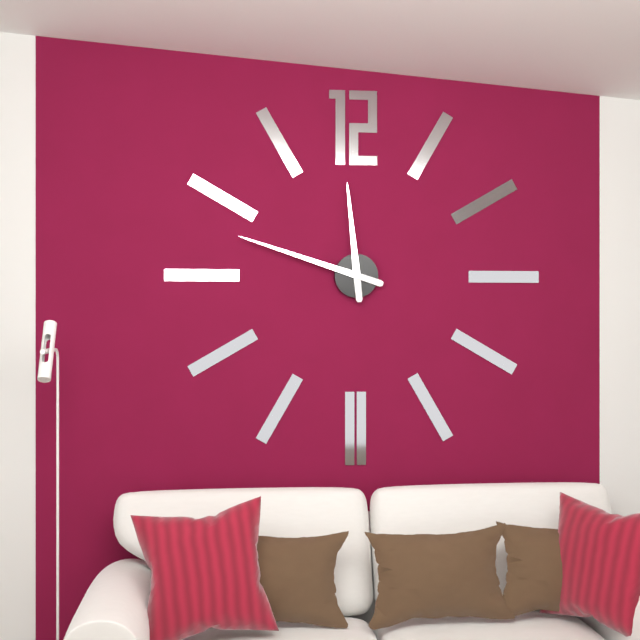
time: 11:48
